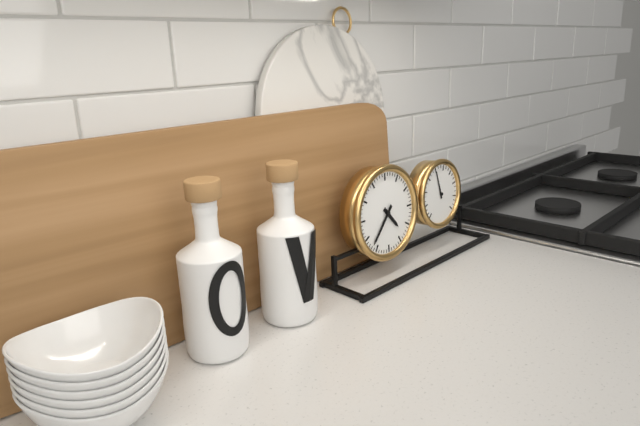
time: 4:37
